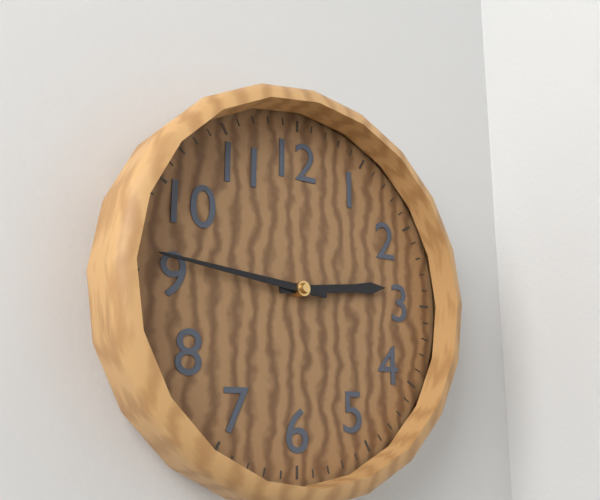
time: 2:46
